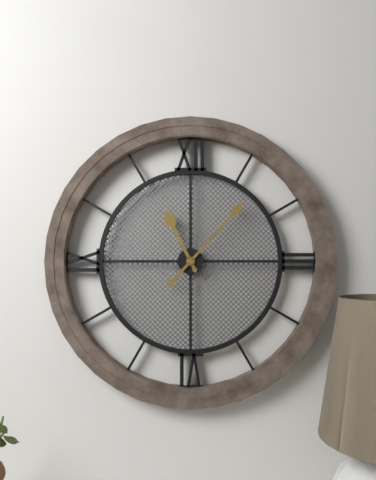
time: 11:07
